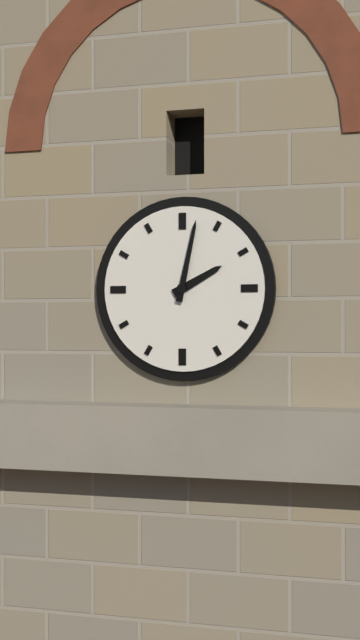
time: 2:02
